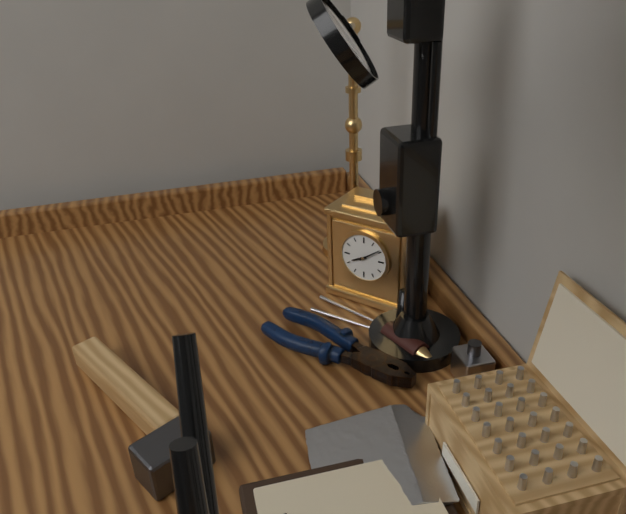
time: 8:09
